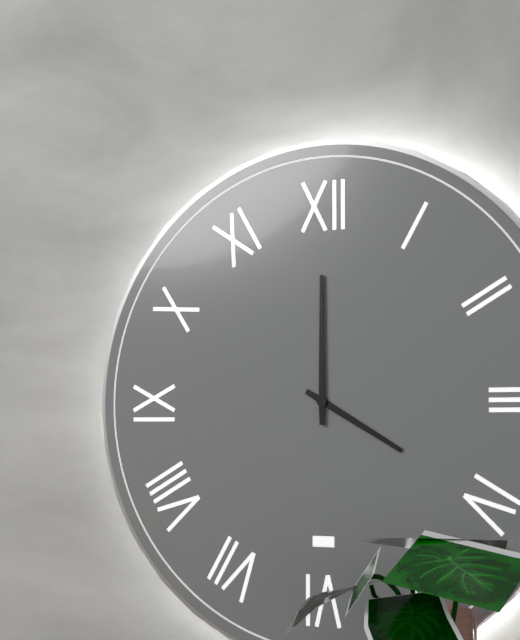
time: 4:00
